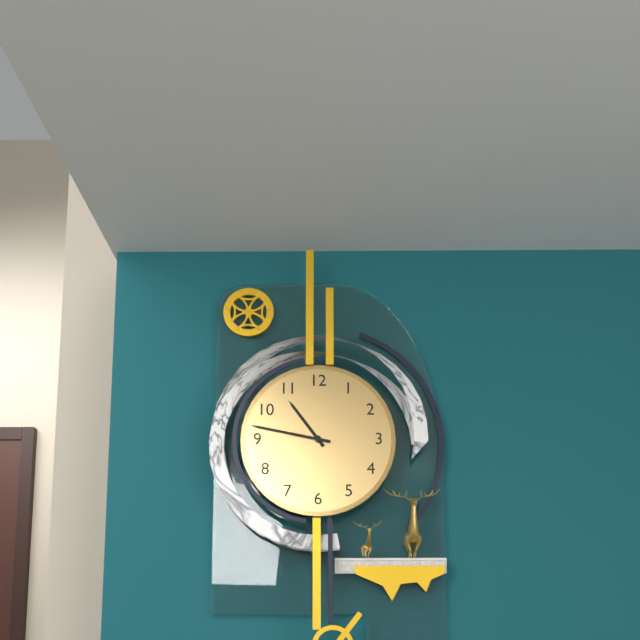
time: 10:47
